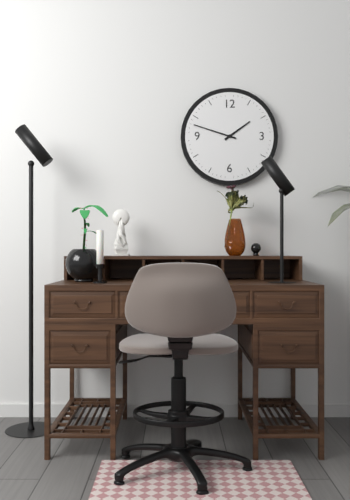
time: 1:48
